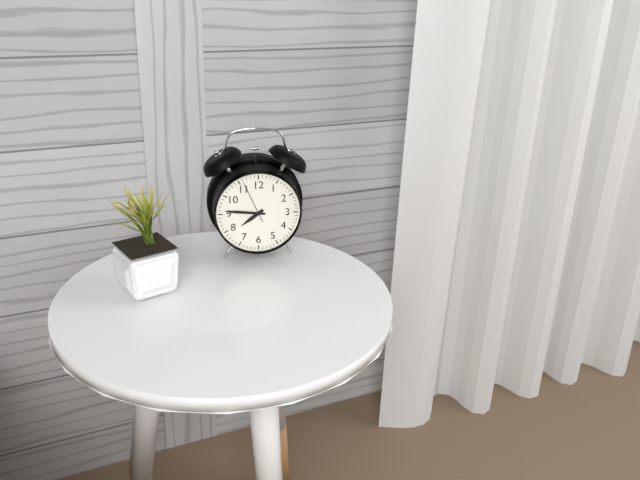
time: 7:46
